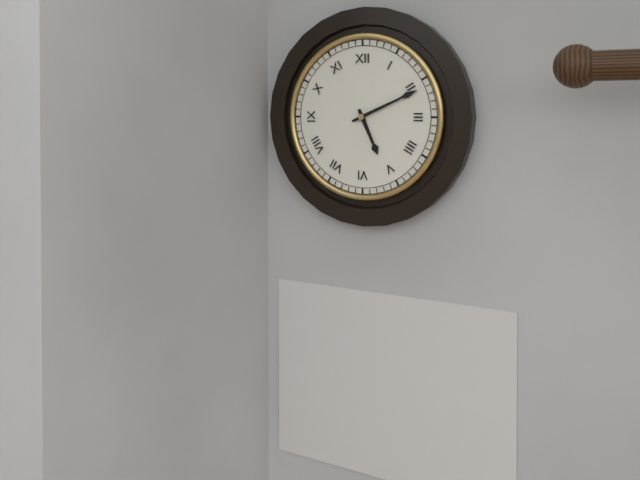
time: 5:11
